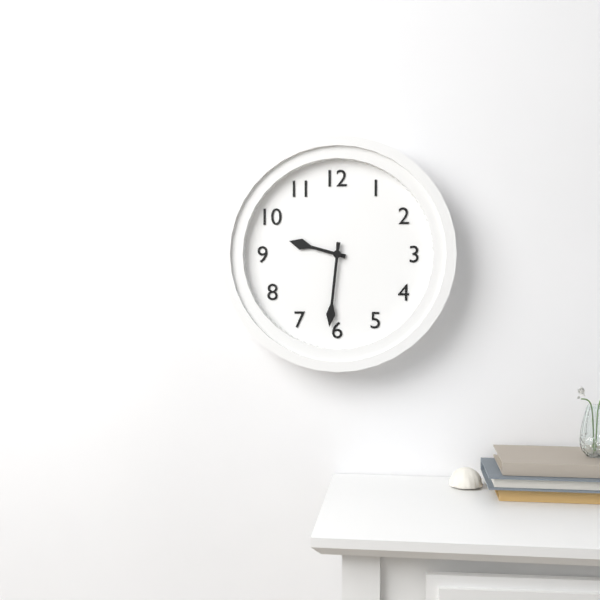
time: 9:31
